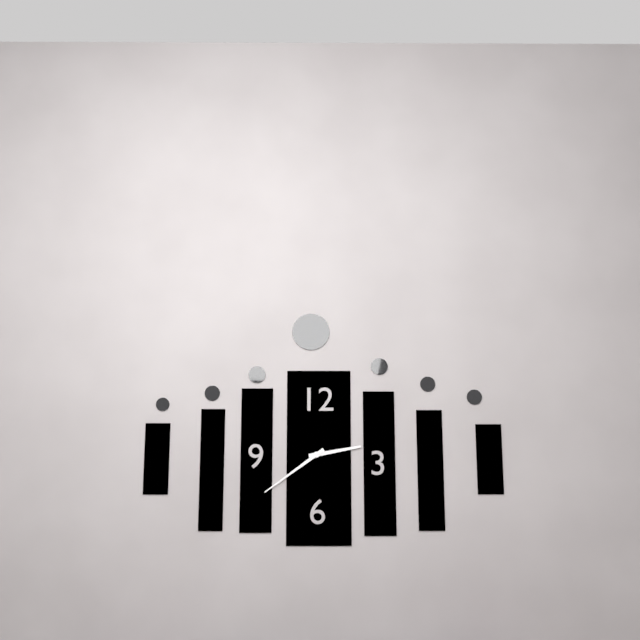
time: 2:39
